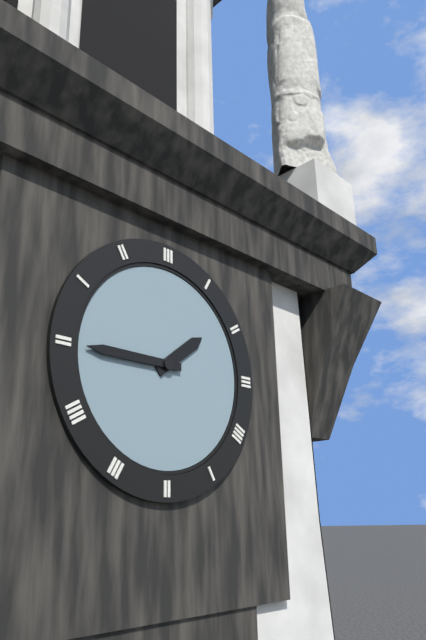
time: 1:45
